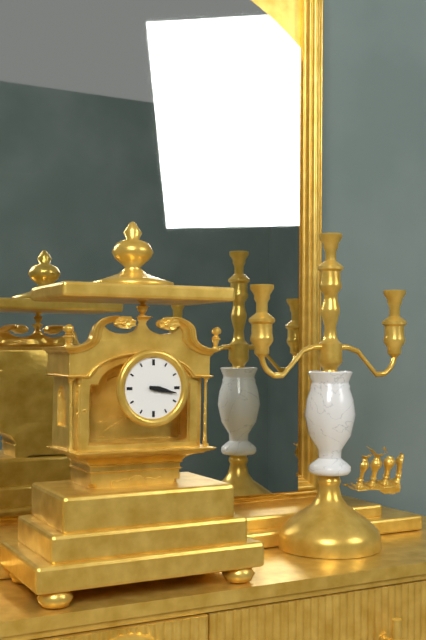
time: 3:17
